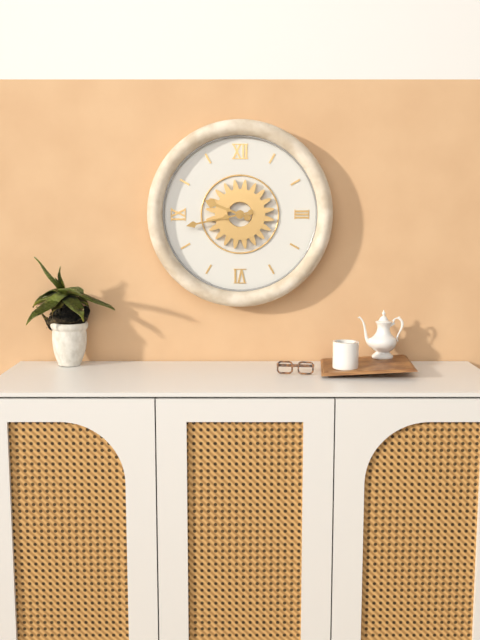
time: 9:43
